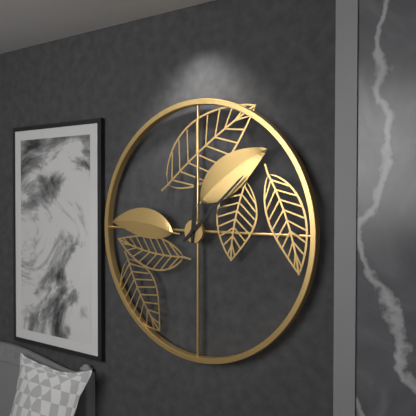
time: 12:08
